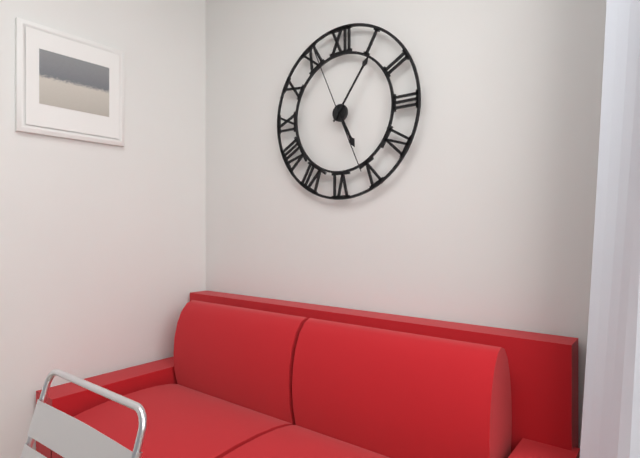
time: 5:06:56
